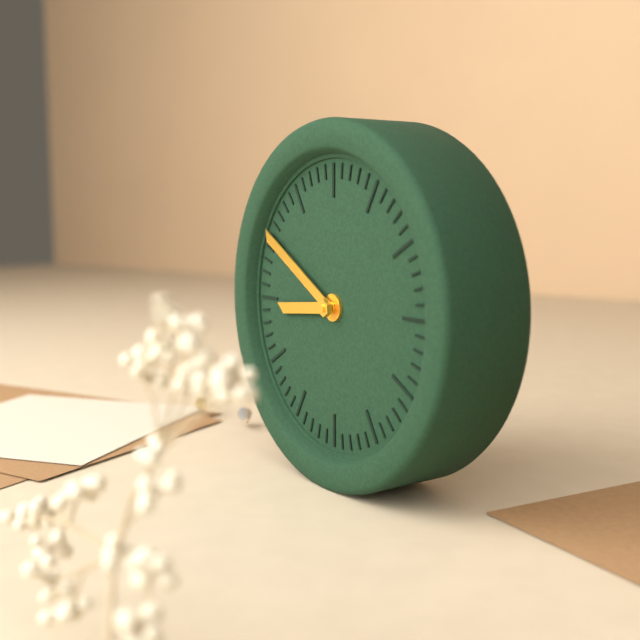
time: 8:50
